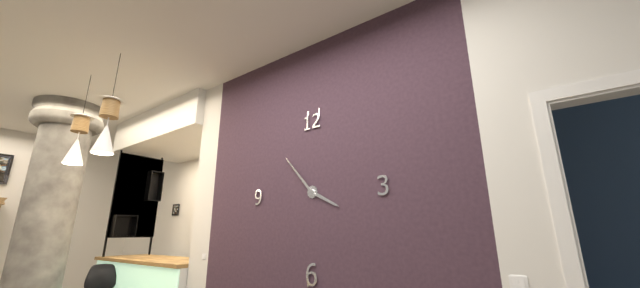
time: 3:53
